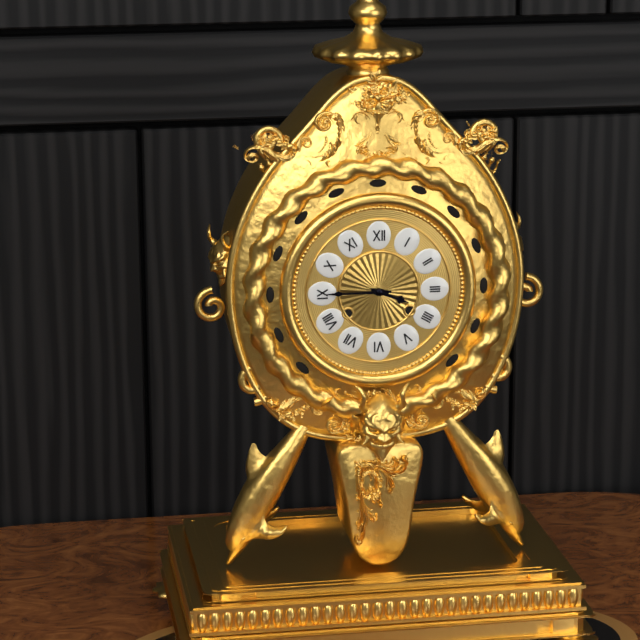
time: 3:45
